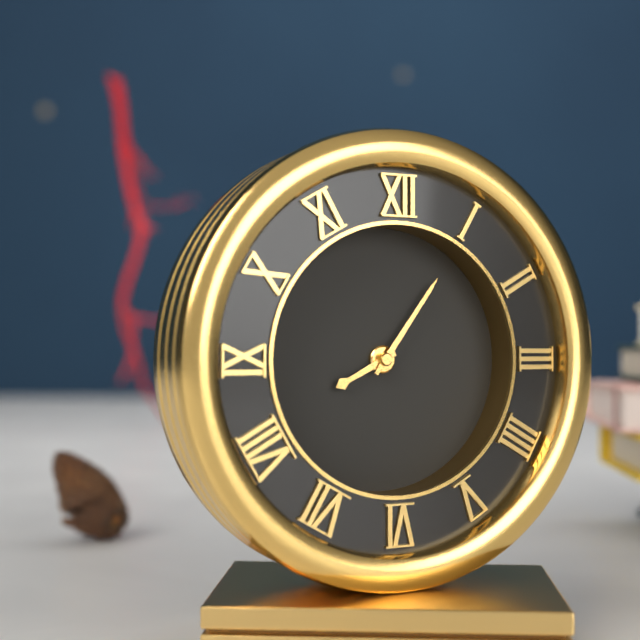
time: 8:06
